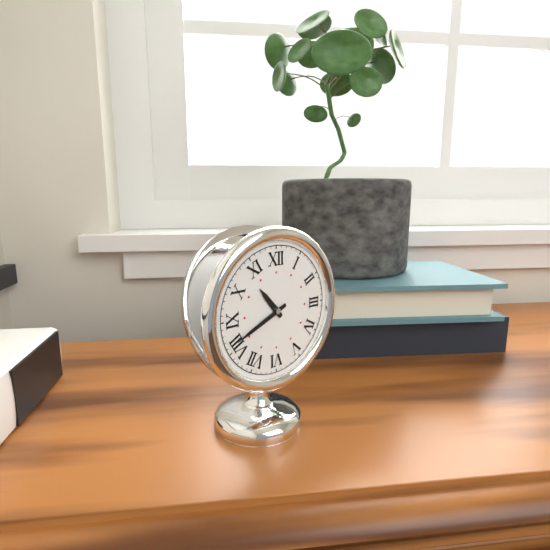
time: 10:41
